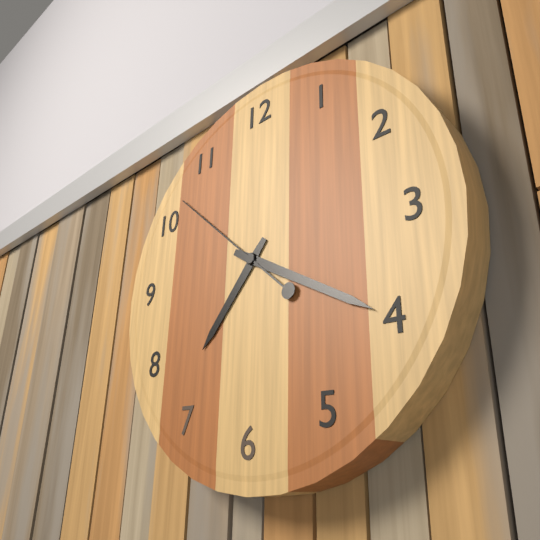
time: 7:20:52
